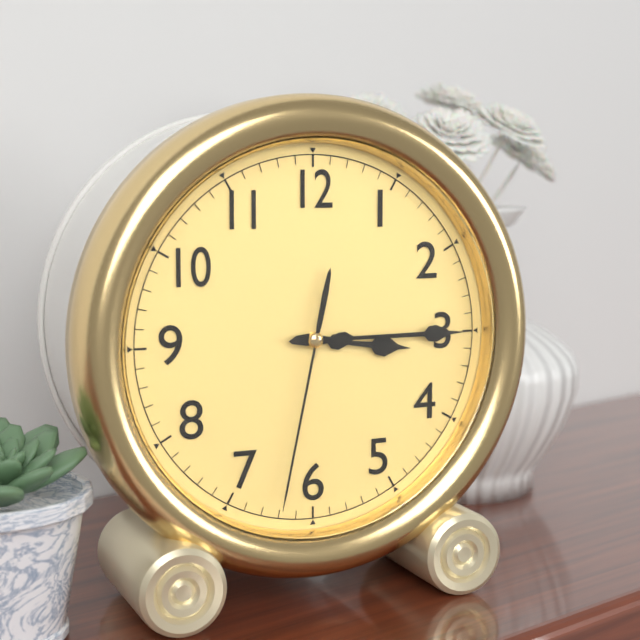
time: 3:15:32
